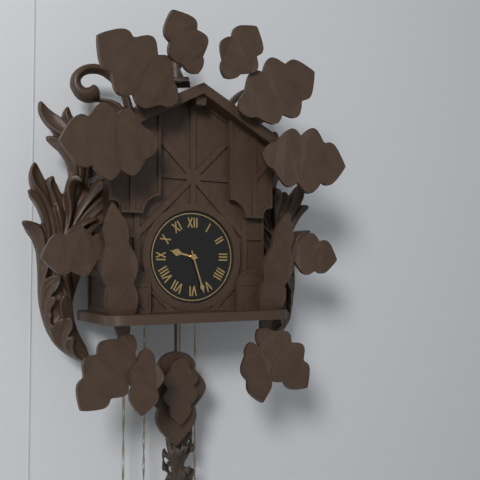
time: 9:27
